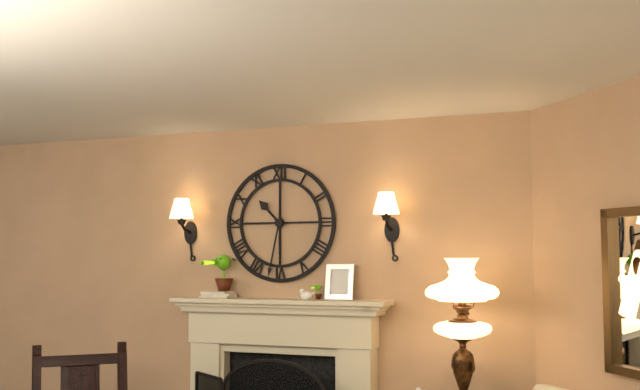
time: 10:32
